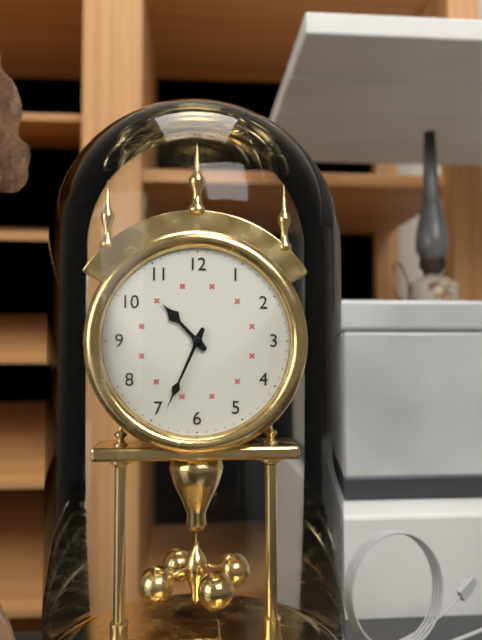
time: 10:34
